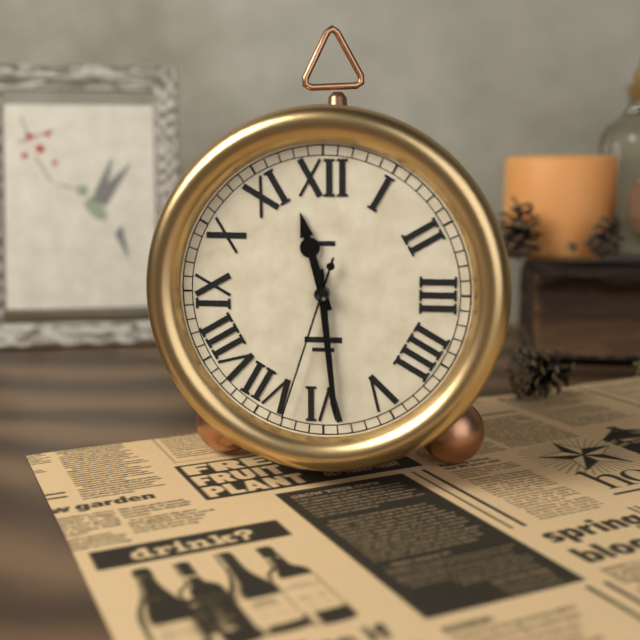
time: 11:29:33
